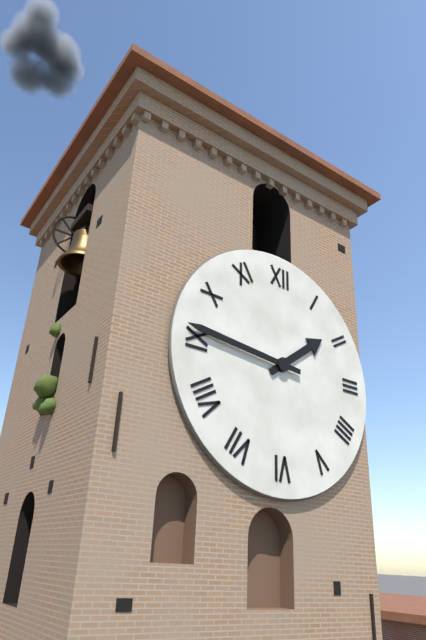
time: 1:46
